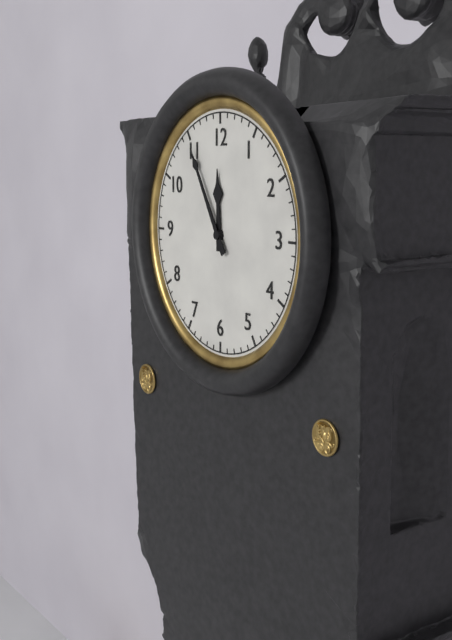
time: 11:55
